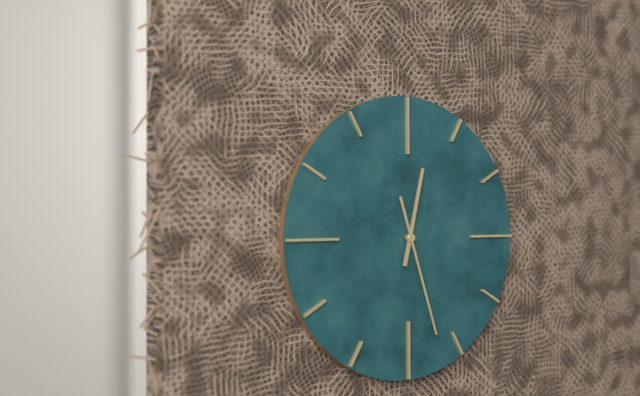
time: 12:27
